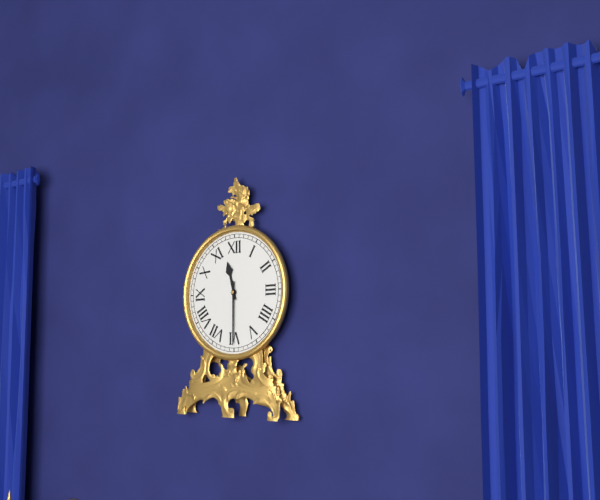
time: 11:30
